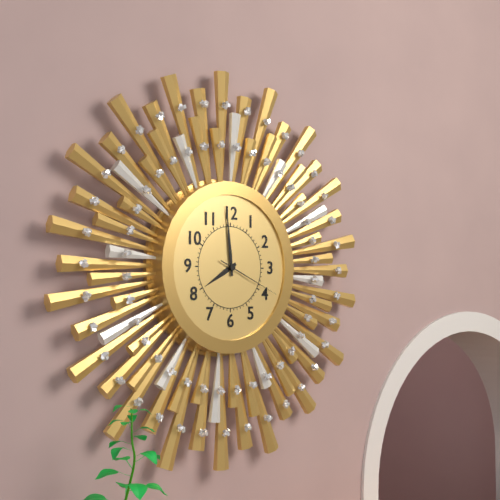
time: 7:59:19
